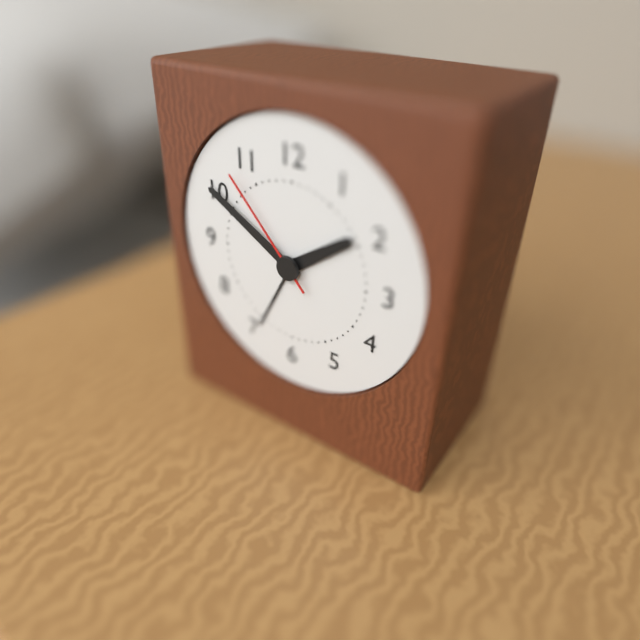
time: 1:50:53
